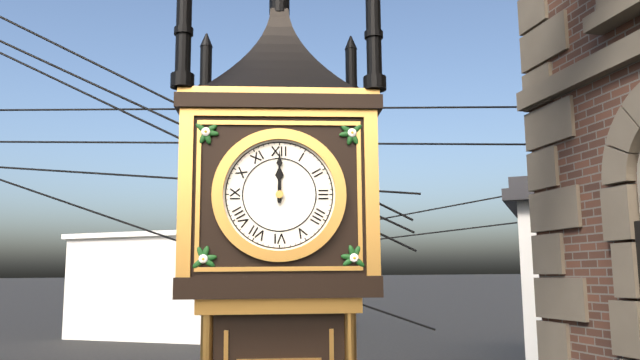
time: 12:00
